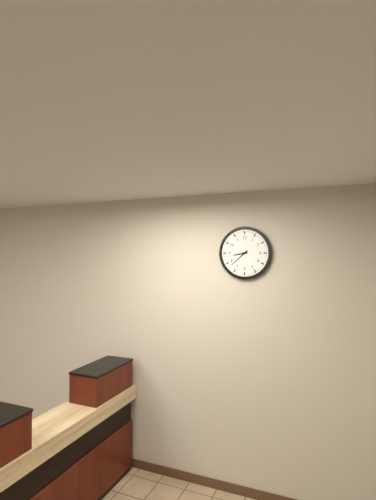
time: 8:38
